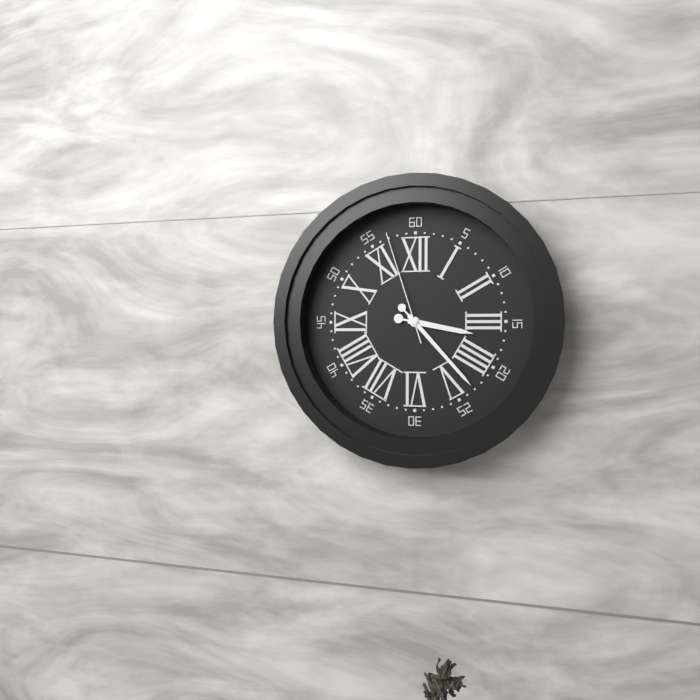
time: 3:23:57
